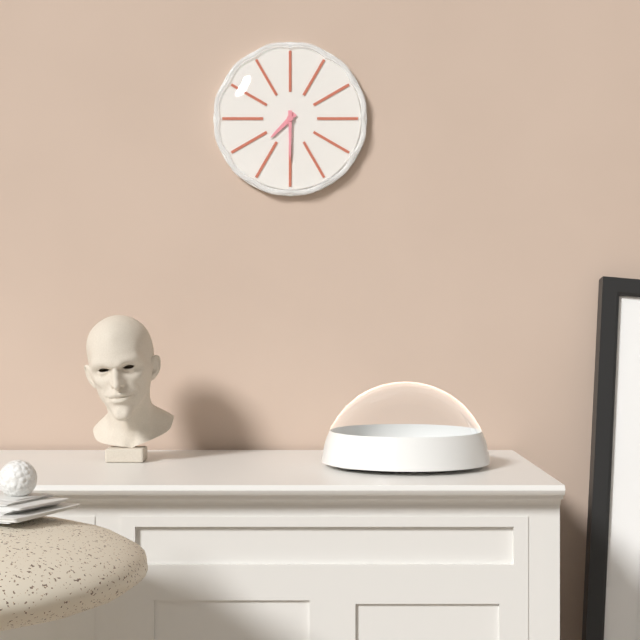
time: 7:30
